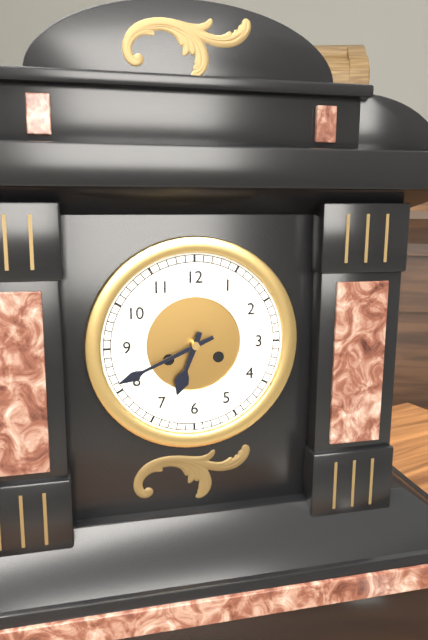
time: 6:41
